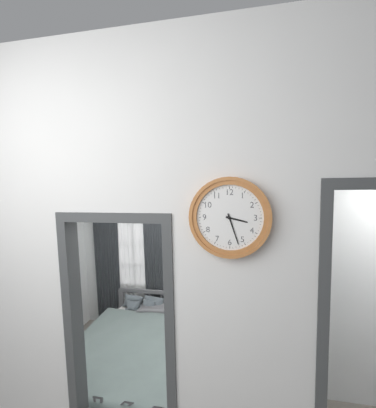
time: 3:27
